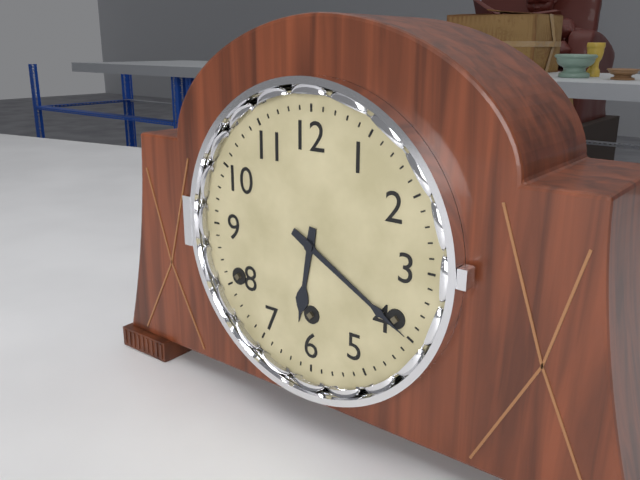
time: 6:20
